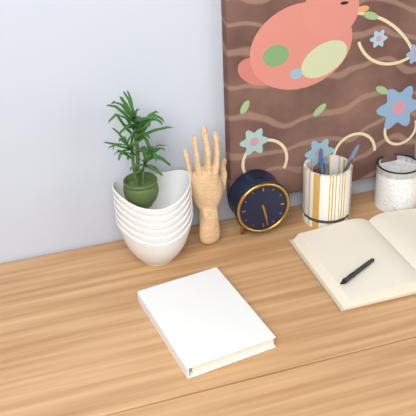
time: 5:28
